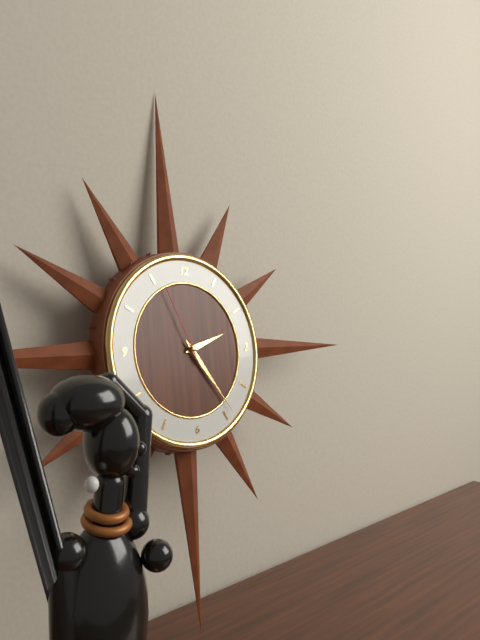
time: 2:24:56
